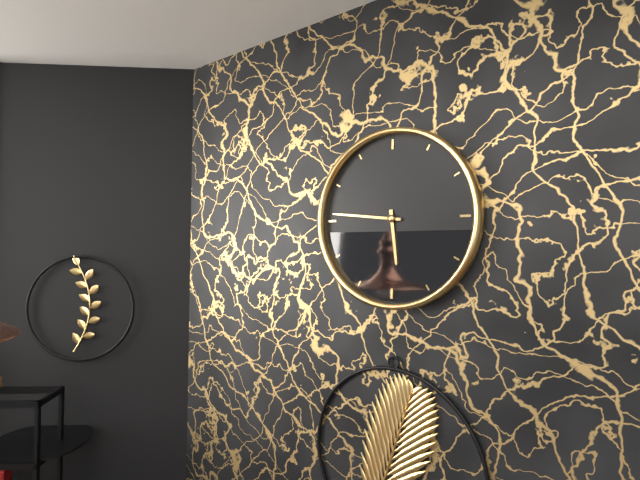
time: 5:46
